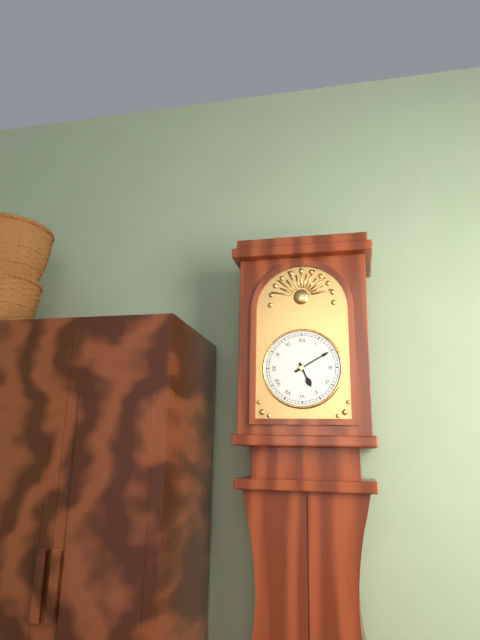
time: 5:10
